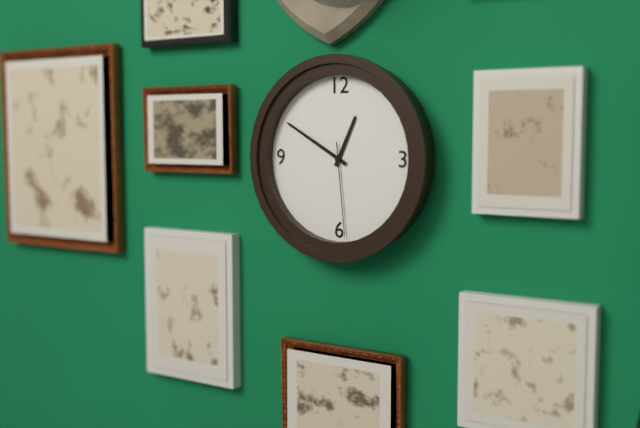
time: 12:50:29
